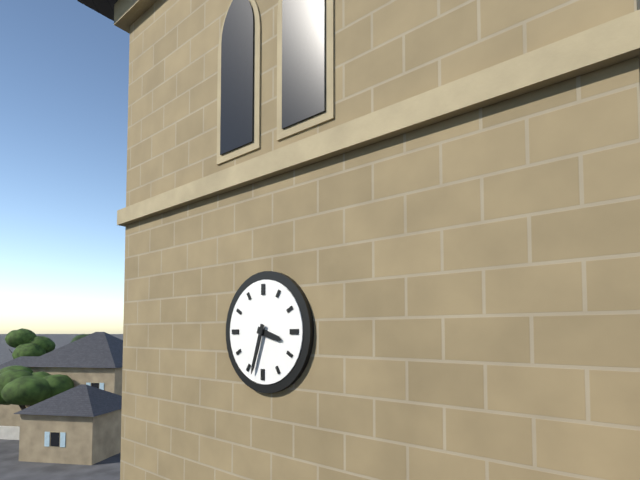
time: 3:33
